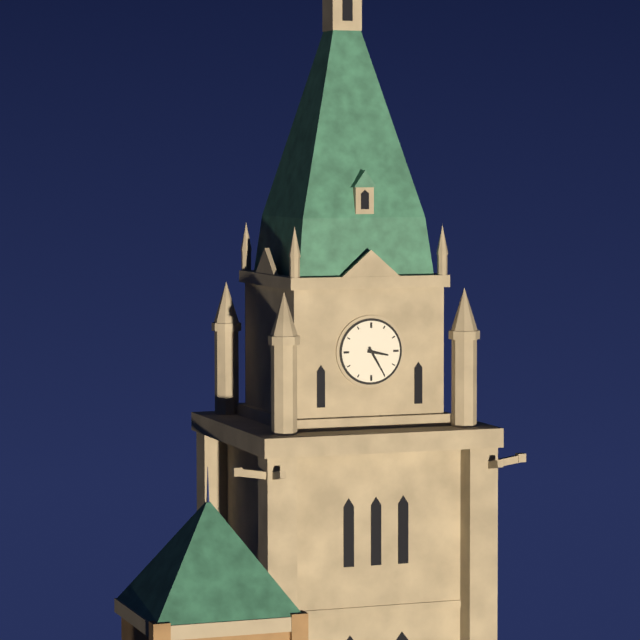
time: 3:25
